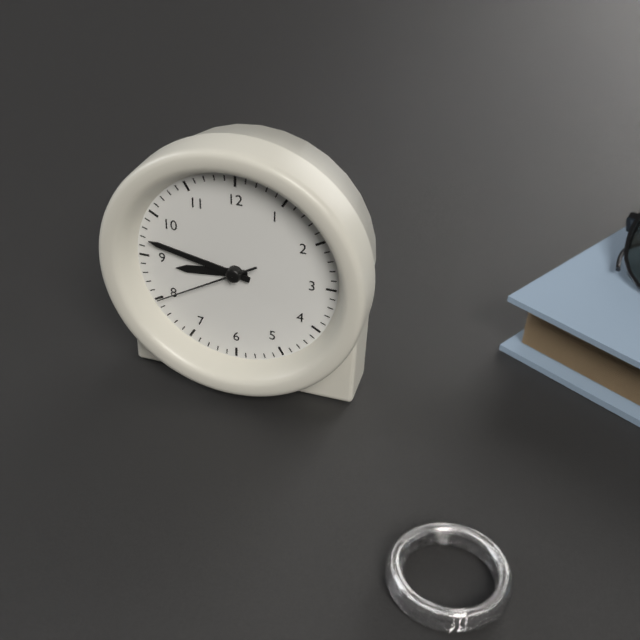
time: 8:47:40
